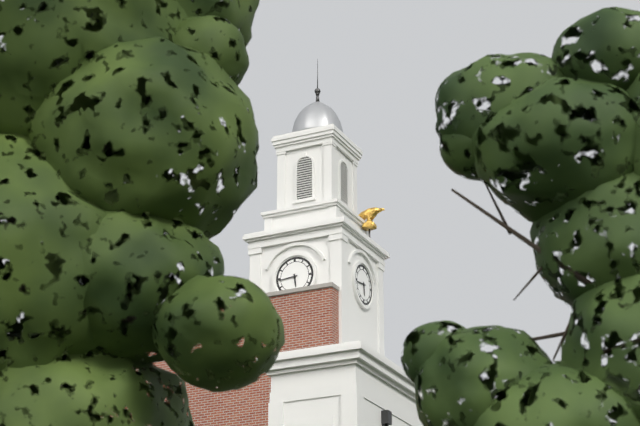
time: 5:44
